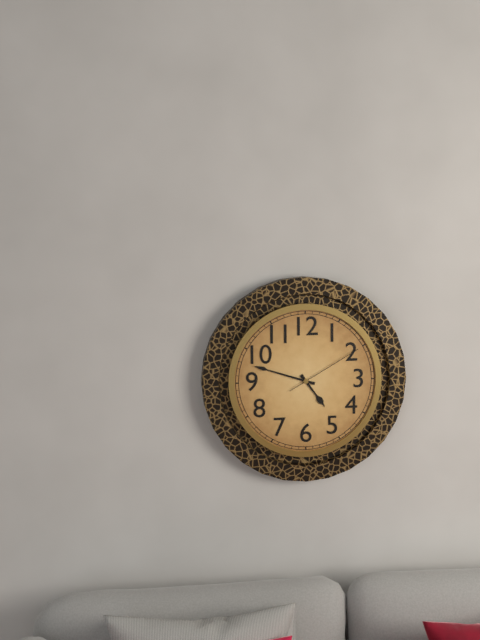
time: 4:48:10
